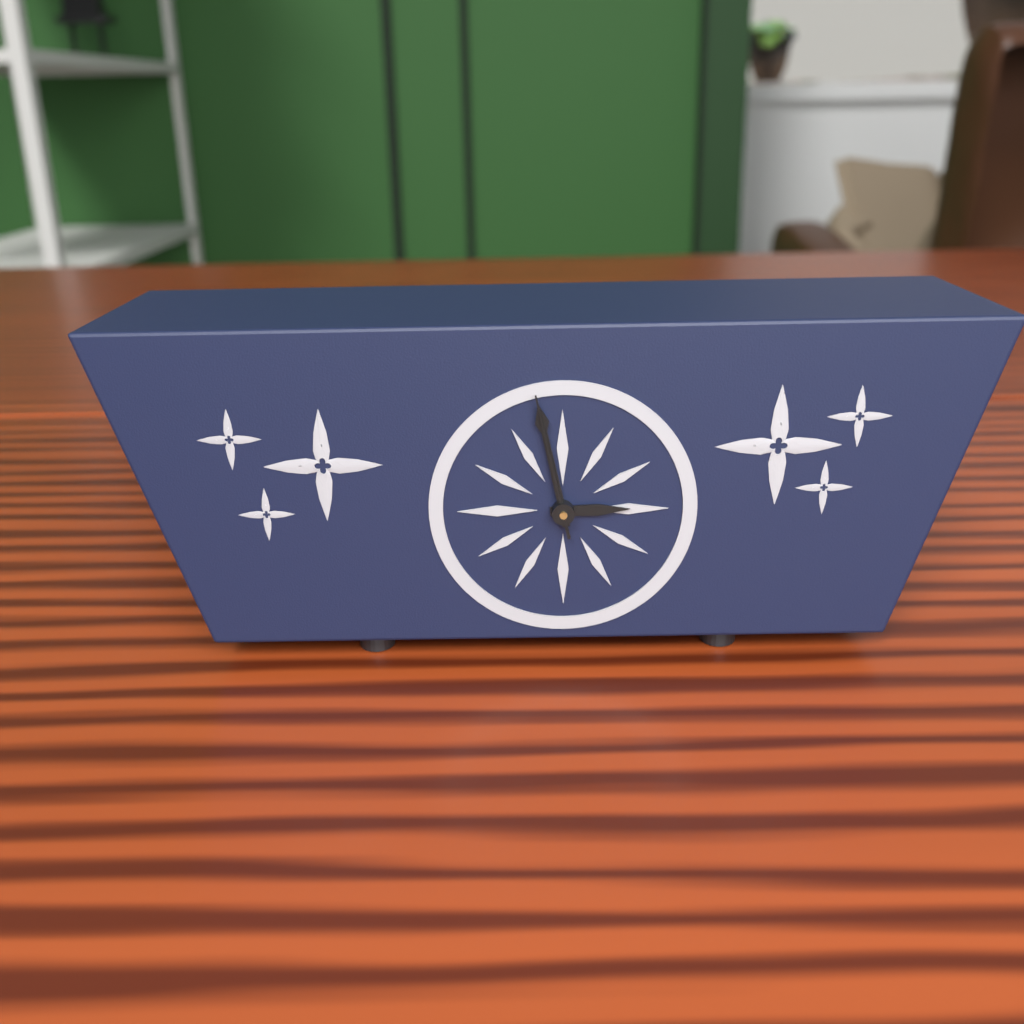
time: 2:58:58
